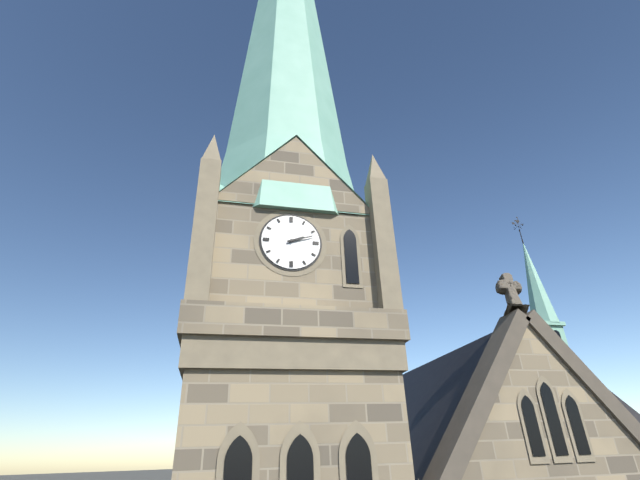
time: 2:12
